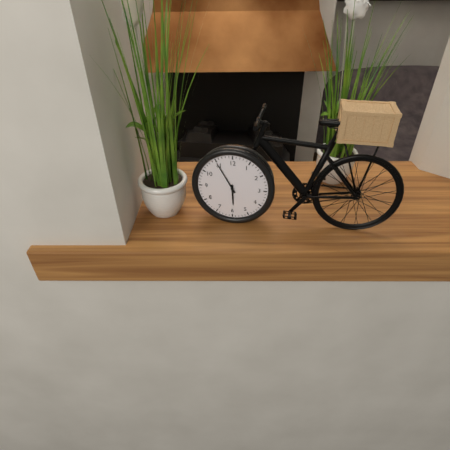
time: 5:55
